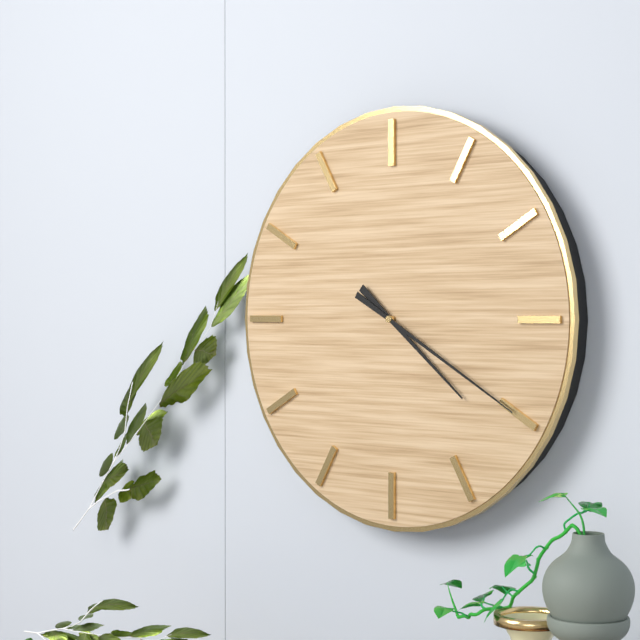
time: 4:20
